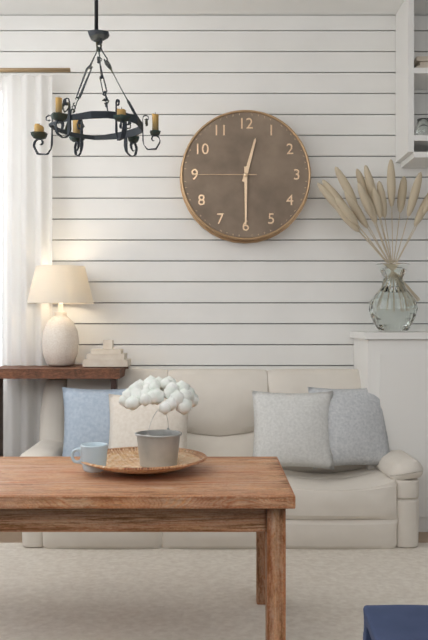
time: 12:30:45
